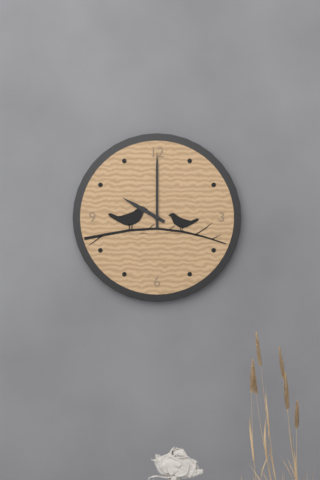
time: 10:00
